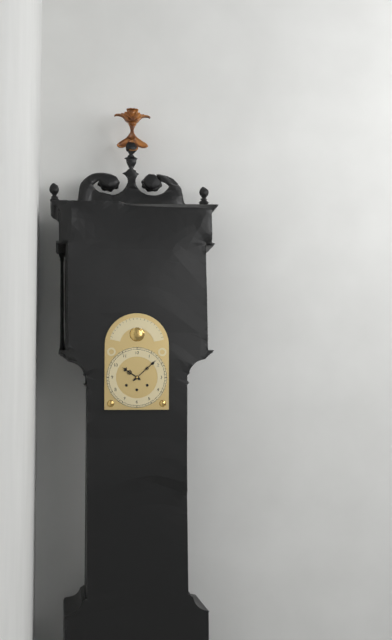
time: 10:08
